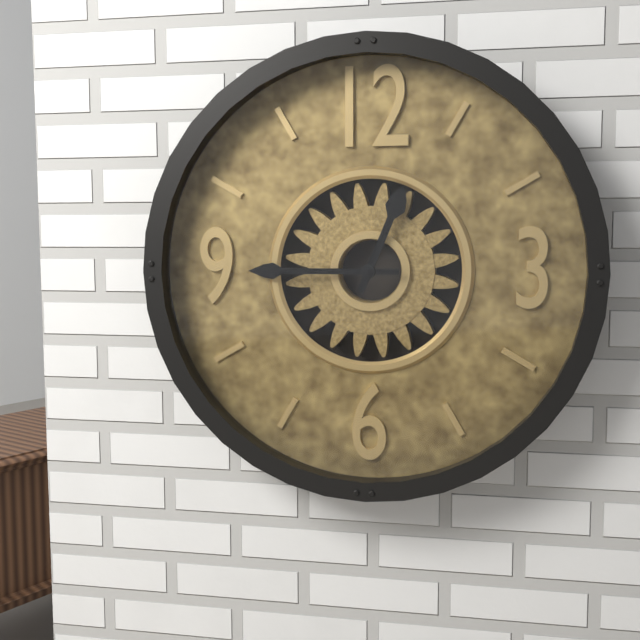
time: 12:45
